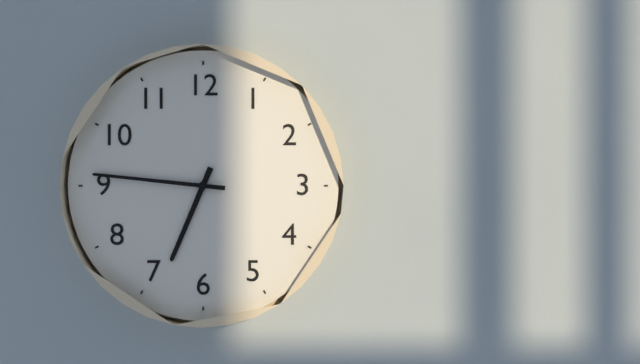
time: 6:46
